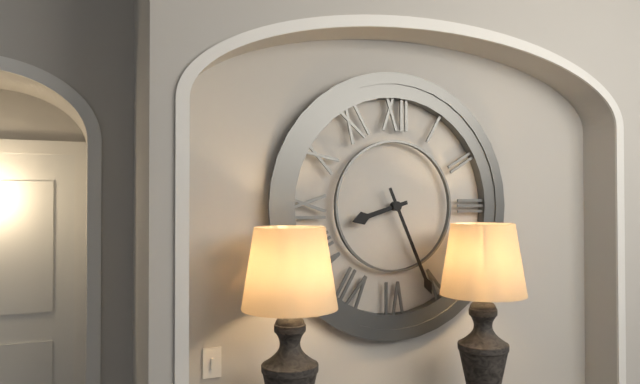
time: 8:26
